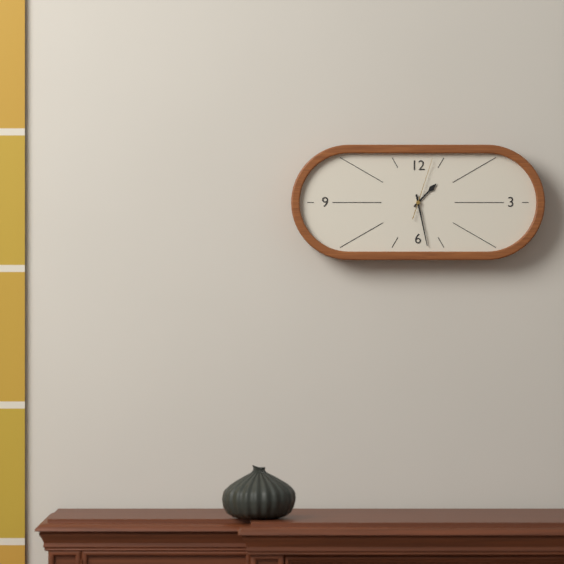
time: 1:28:03
